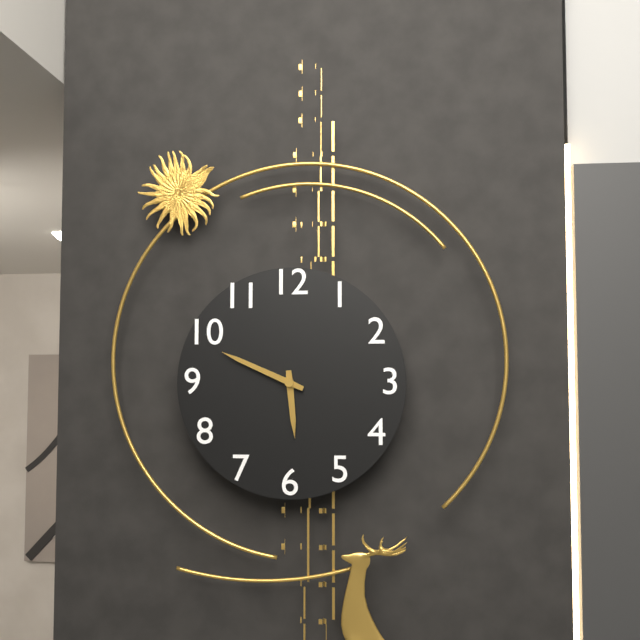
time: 5:49
